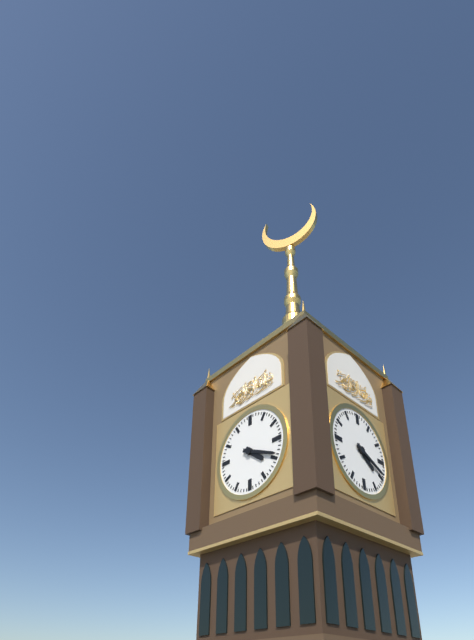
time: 4:19
